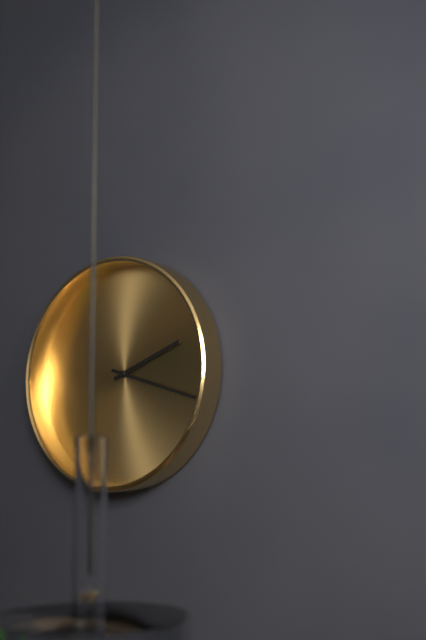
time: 2:18
